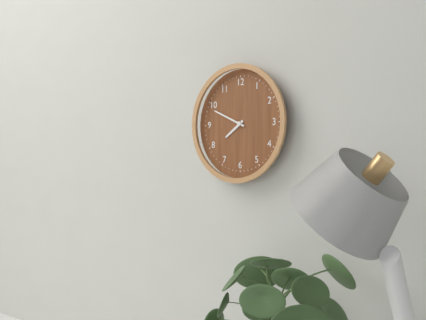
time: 7:49
